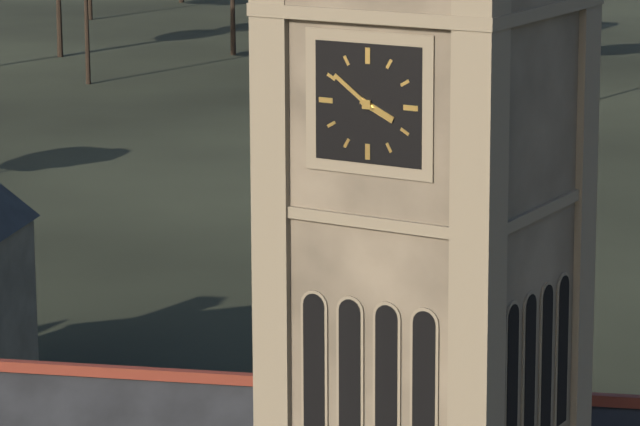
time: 3:51
